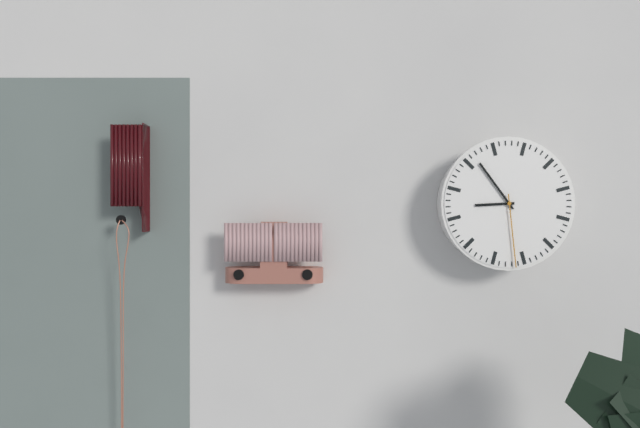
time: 8:54:29
